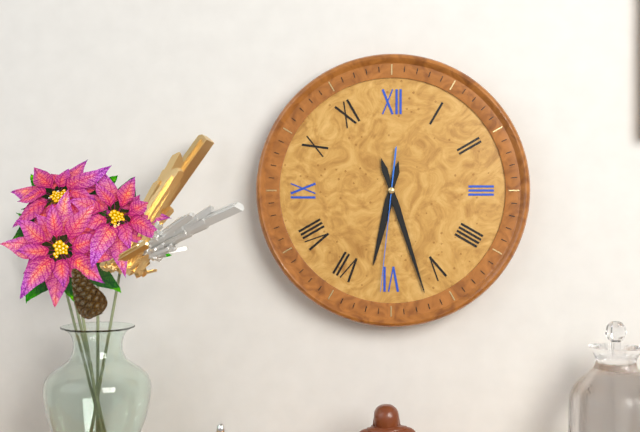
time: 6:27:31
